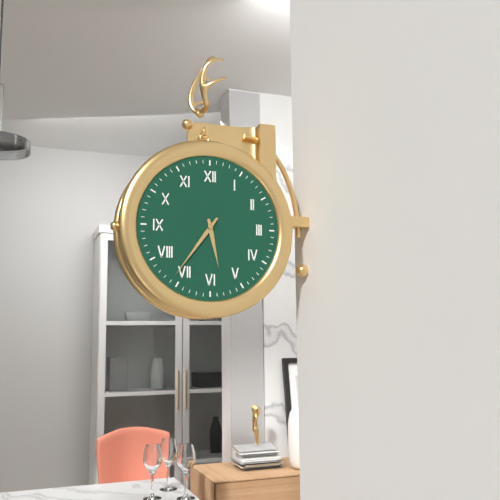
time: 5:36
